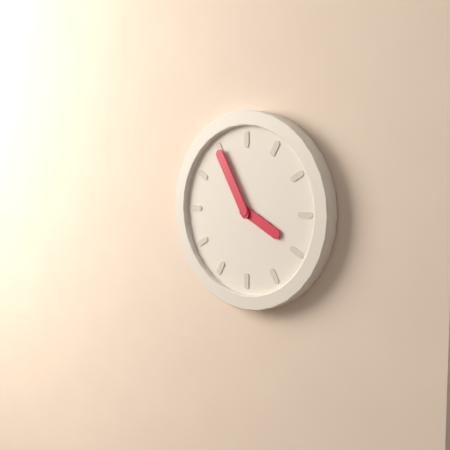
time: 3:55
